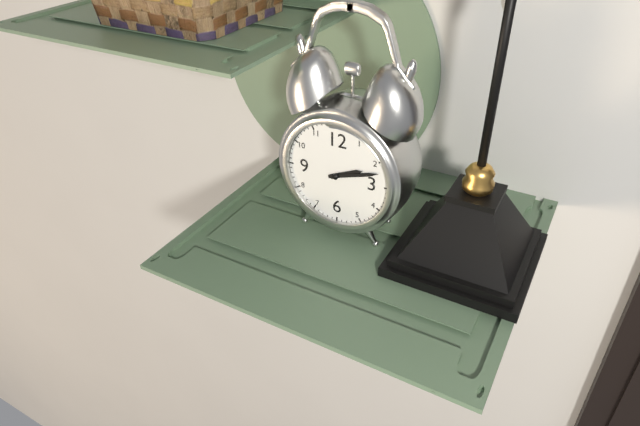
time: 2:12
